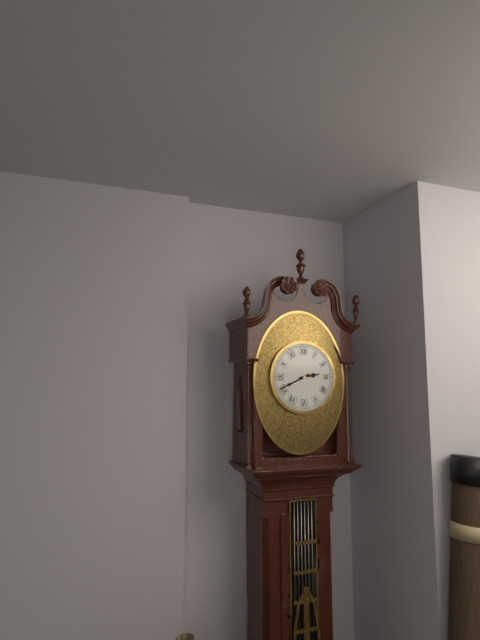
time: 2:41
